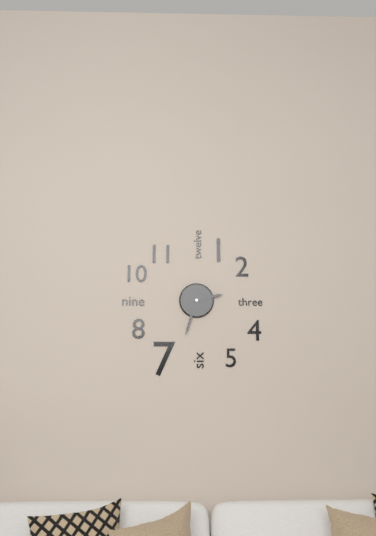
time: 2:33
